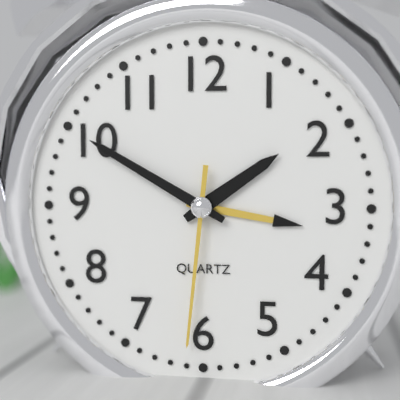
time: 1:50:31
